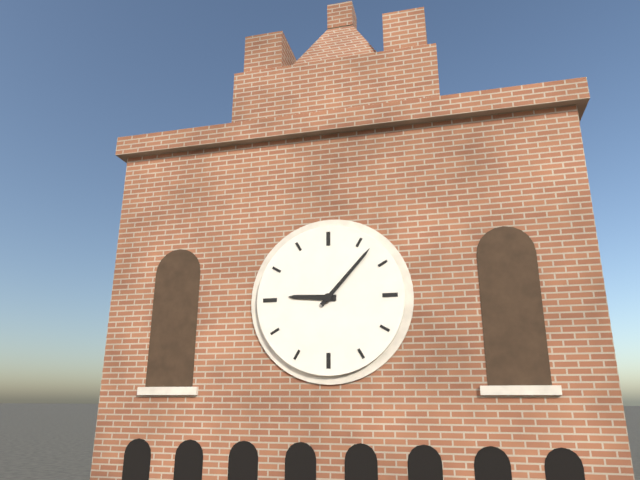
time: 9:07
